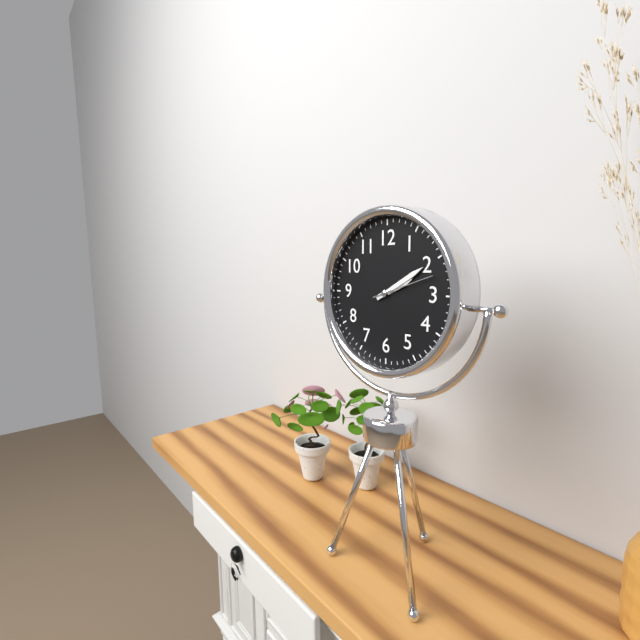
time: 2:10:12
